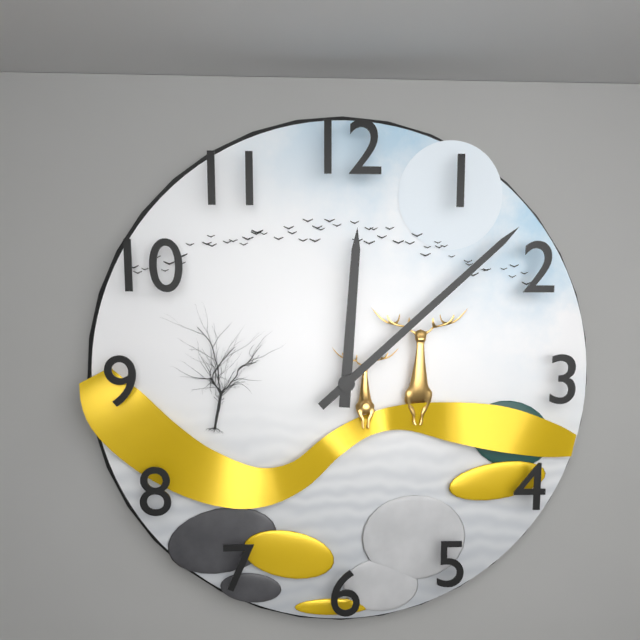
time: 12:08
